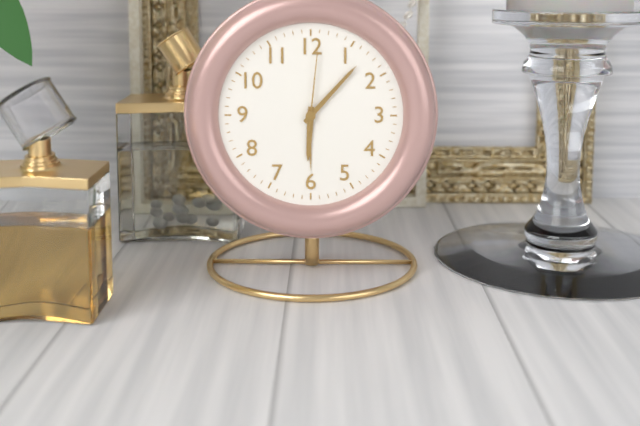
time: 6:07:01
